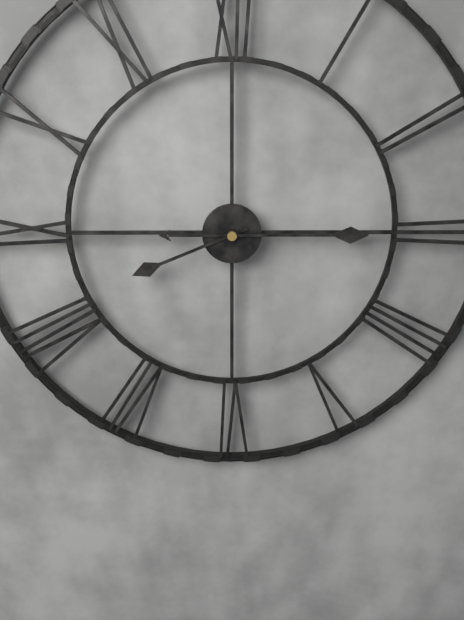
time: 8:15
